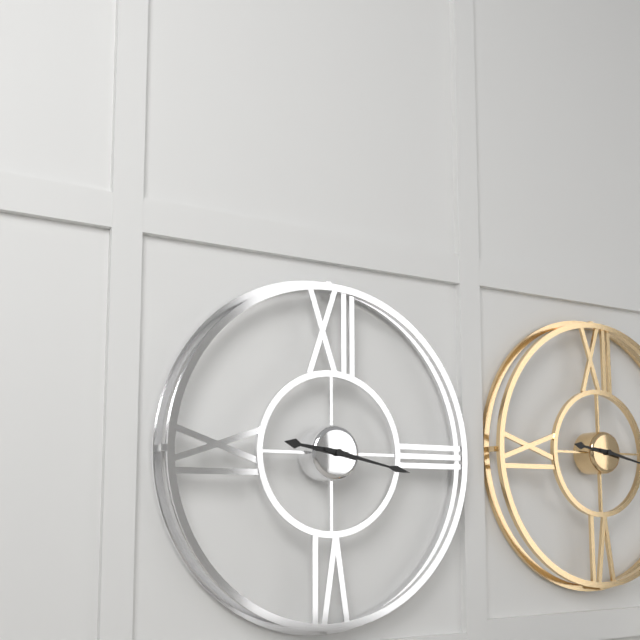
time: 9:17
